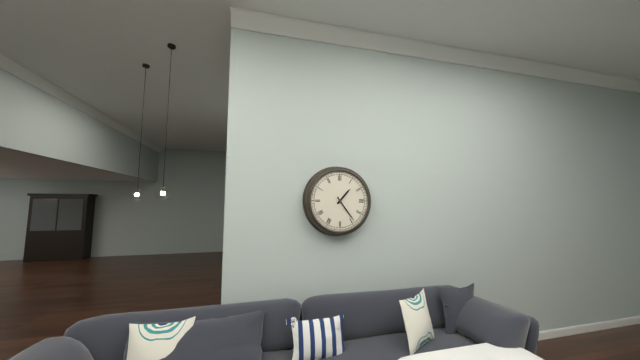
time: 1:24
